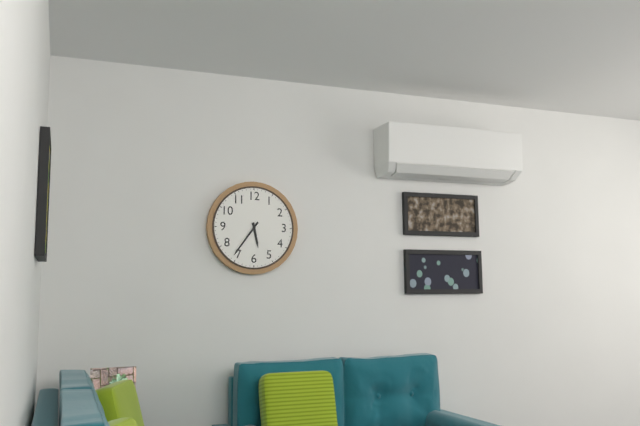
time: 5:36
